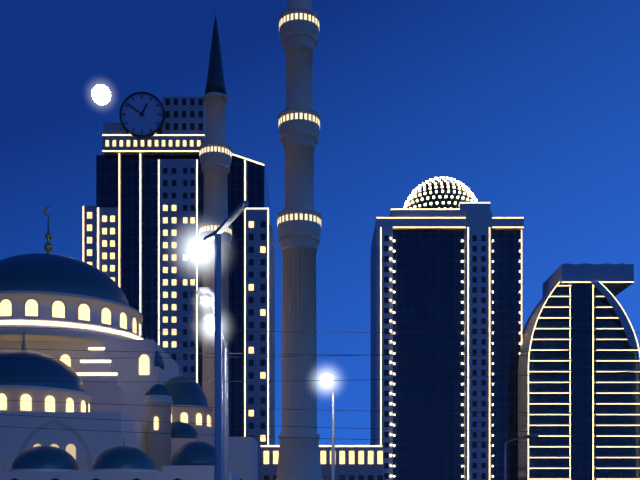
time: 12:51
